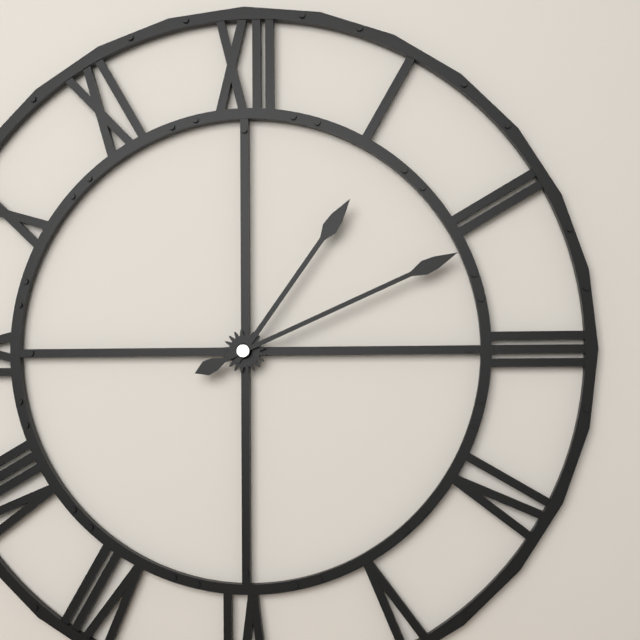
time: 1:11
